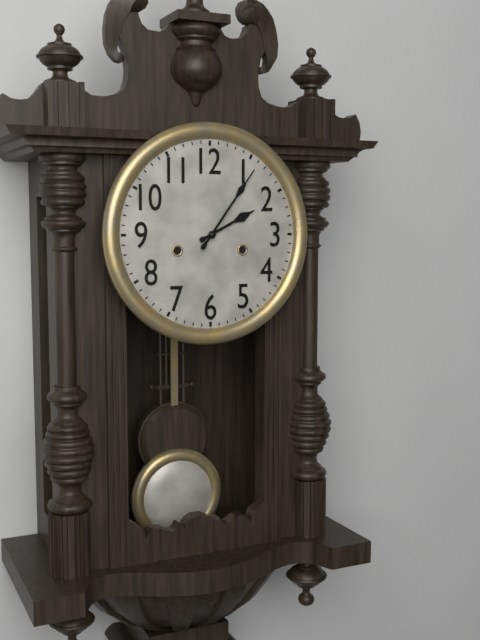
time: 2:06
